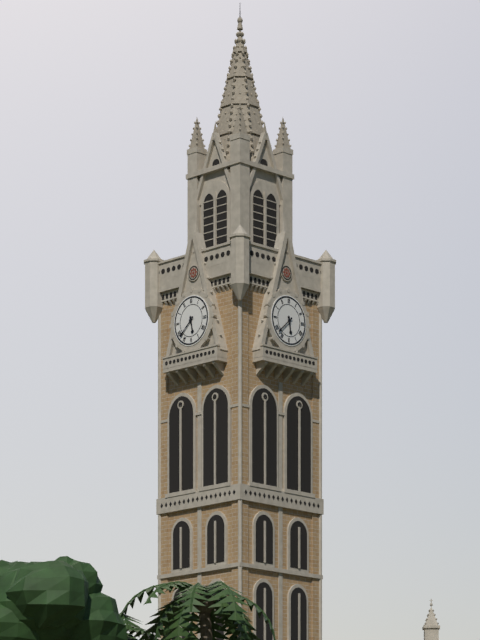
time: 5:38
